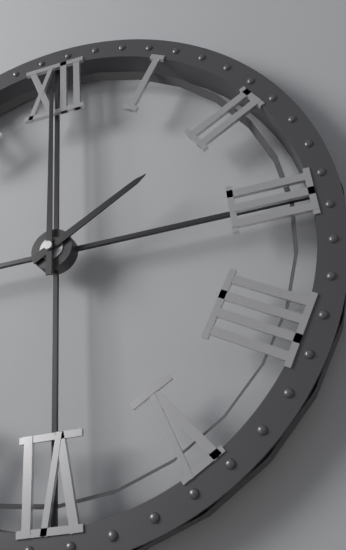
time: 2:00
